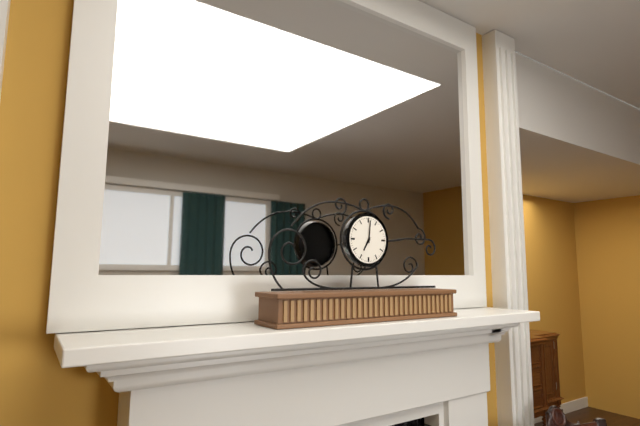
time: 7:01
